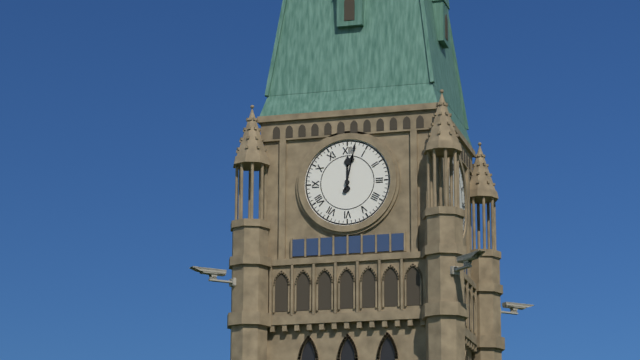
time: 12:02
